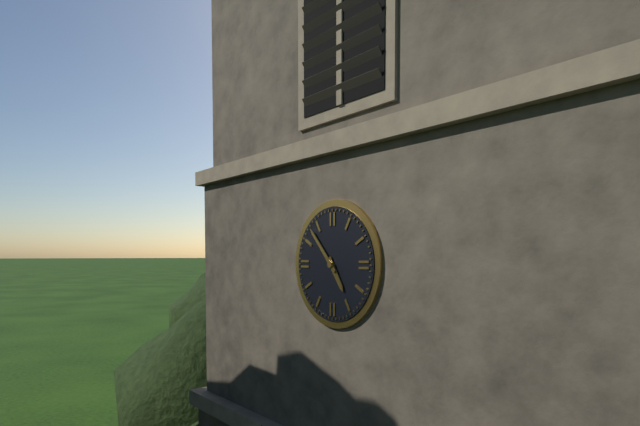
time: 4:53
